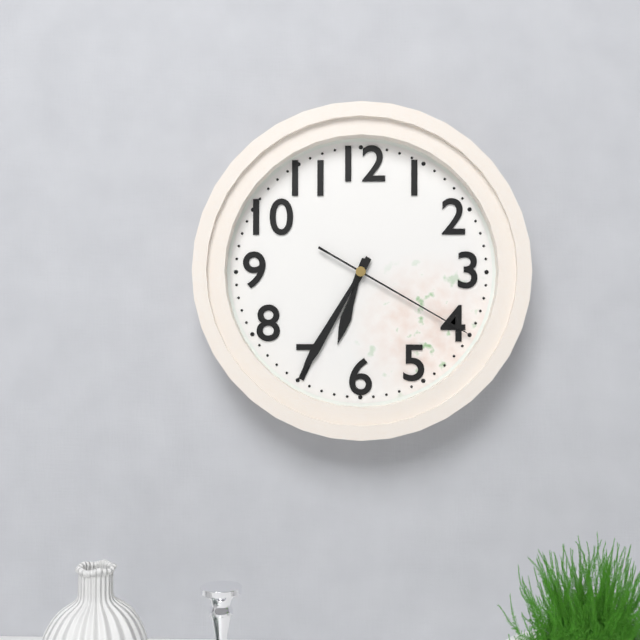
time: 6:35:20
